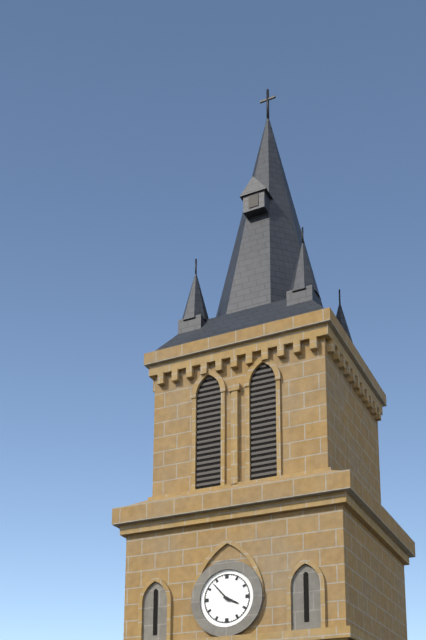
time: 3:53
